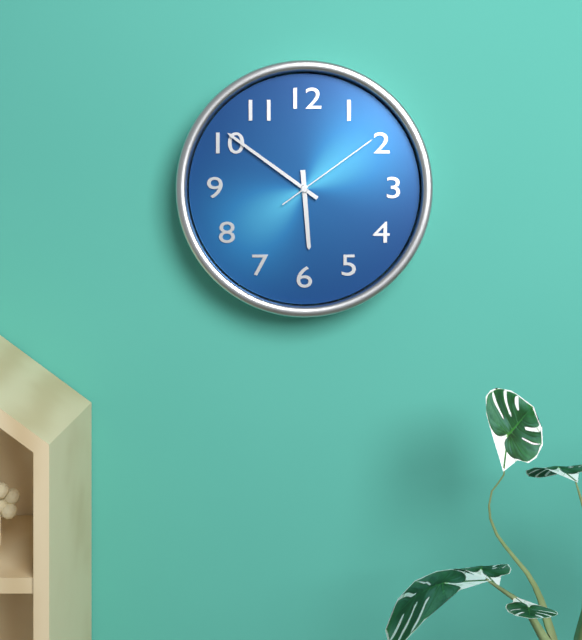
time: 5:51:09
